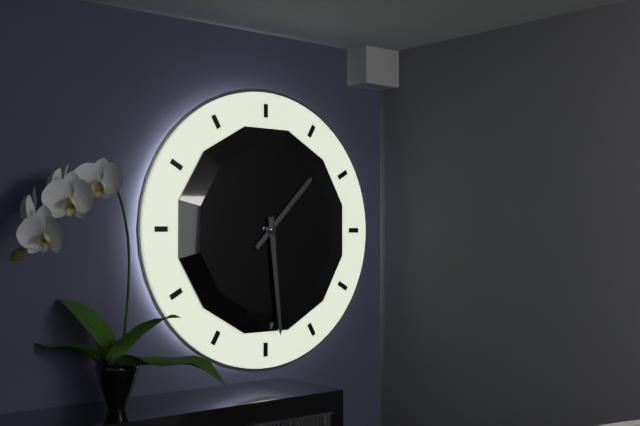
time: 1:29
